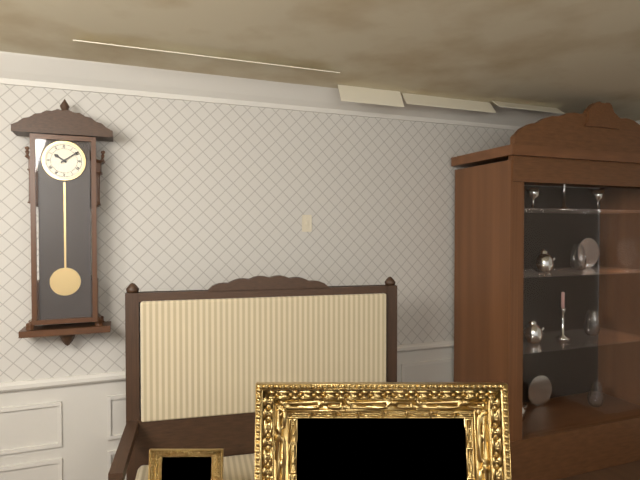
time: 10:09
